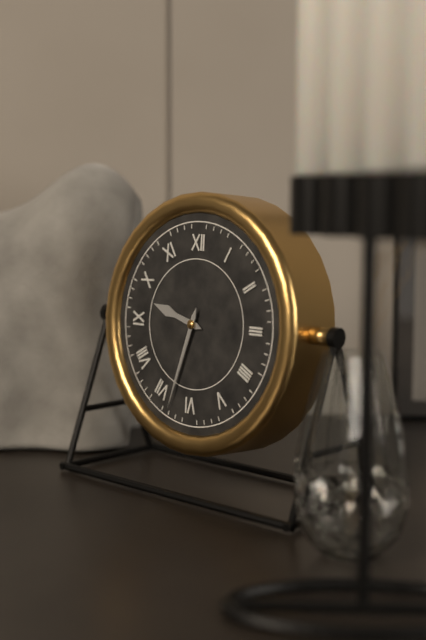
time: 9:33
